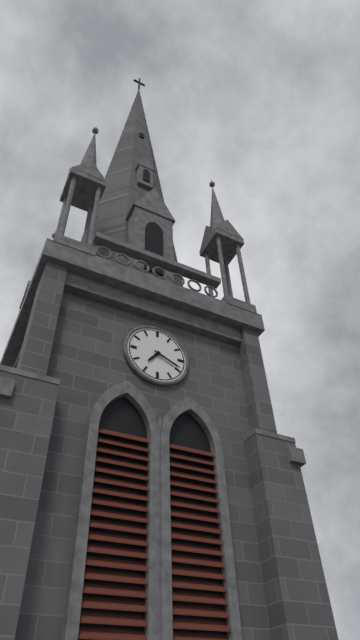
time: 7:19
